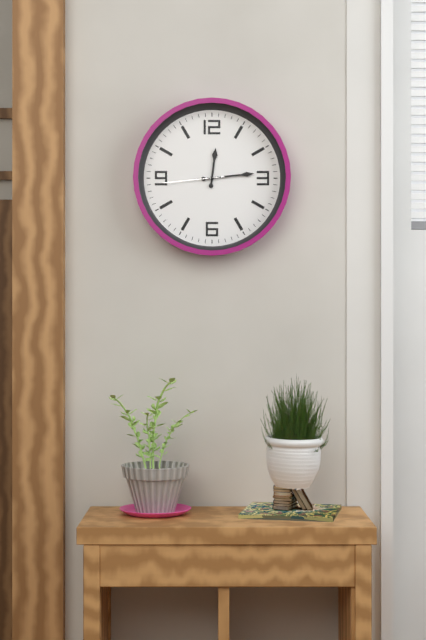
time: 12:14:44
